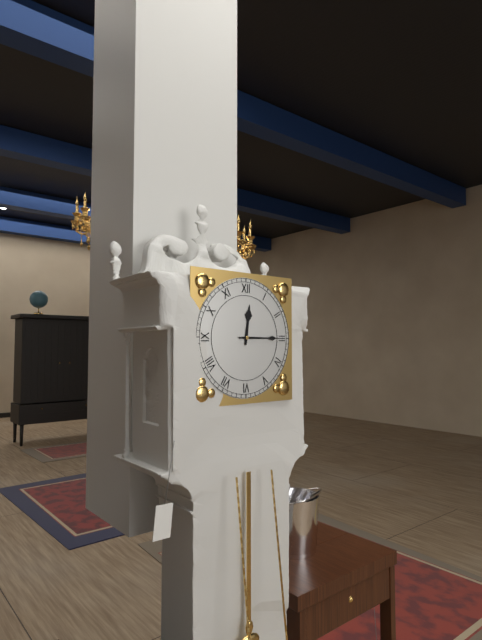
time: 12:15
